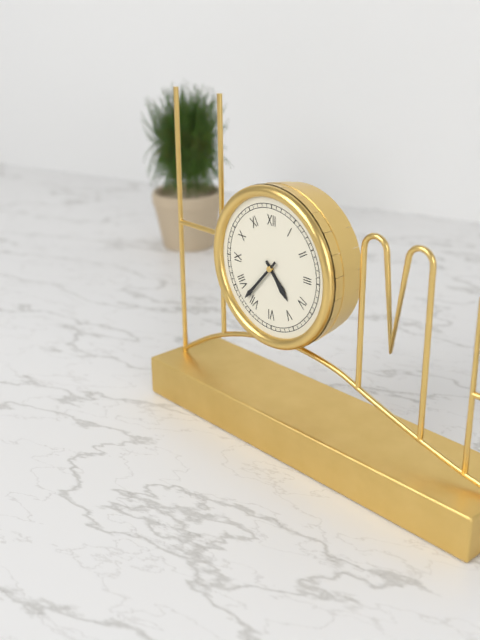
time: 4:37
